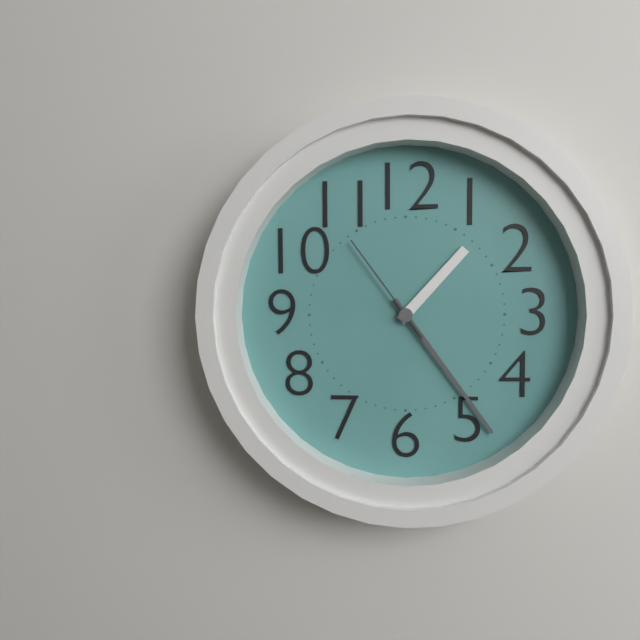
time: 1:24:54
